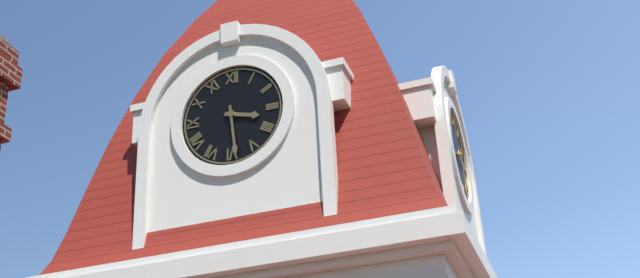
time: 3:29
